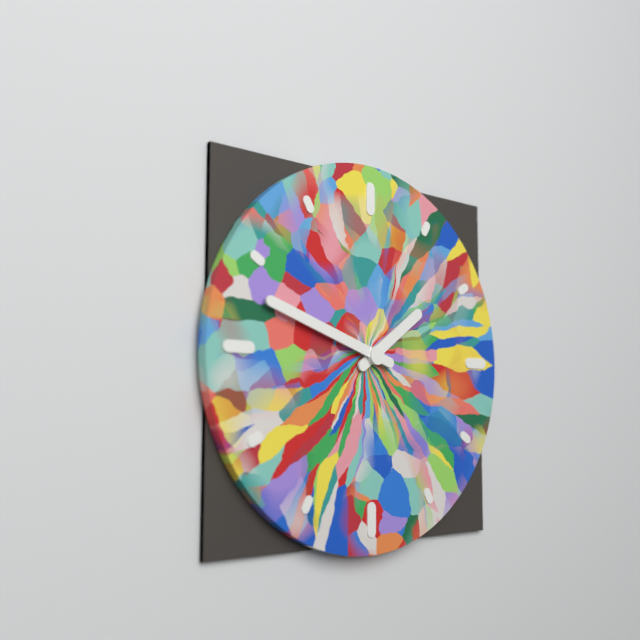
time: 1:48
